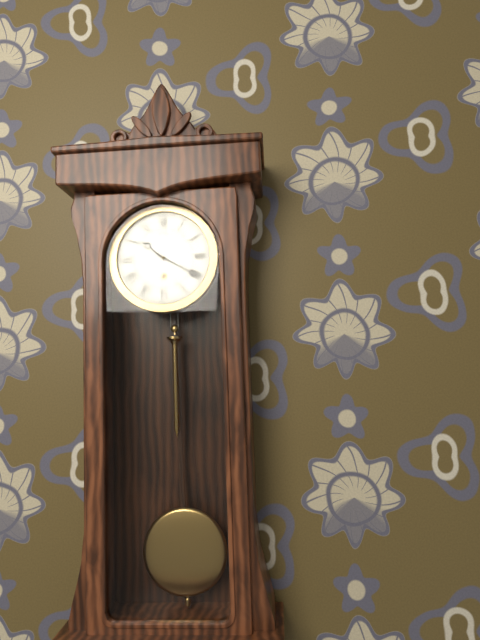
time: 10:20
